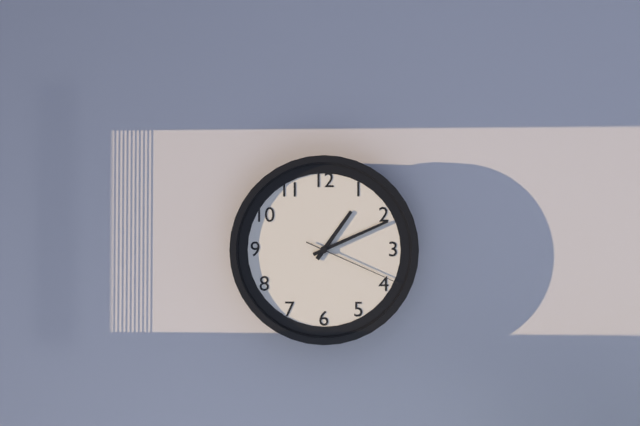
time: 1:11:19
